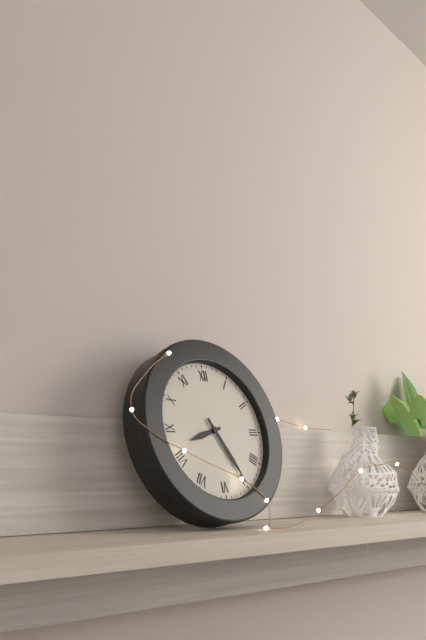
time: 8:25
